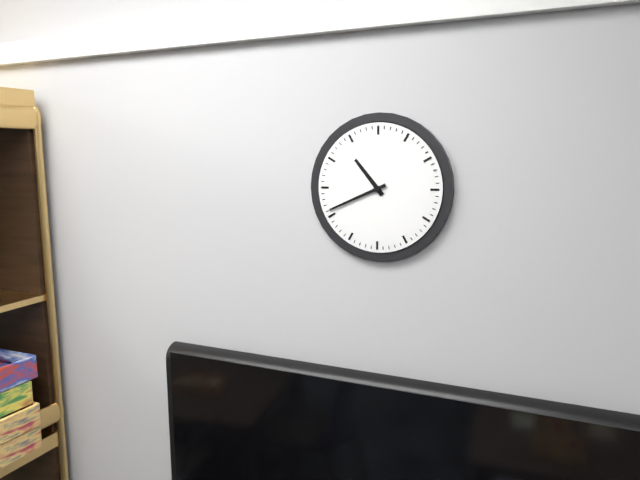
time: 10:41
